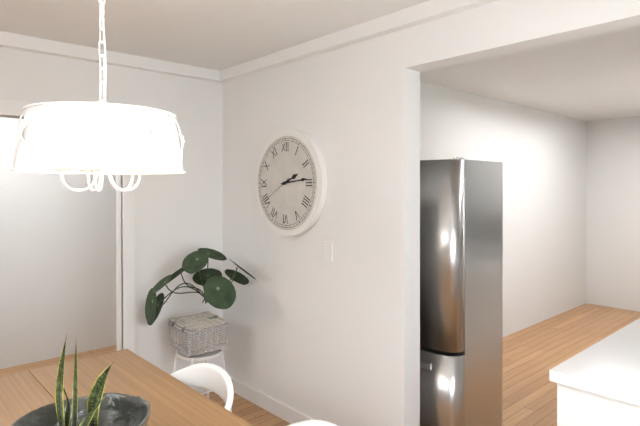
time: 2:14
